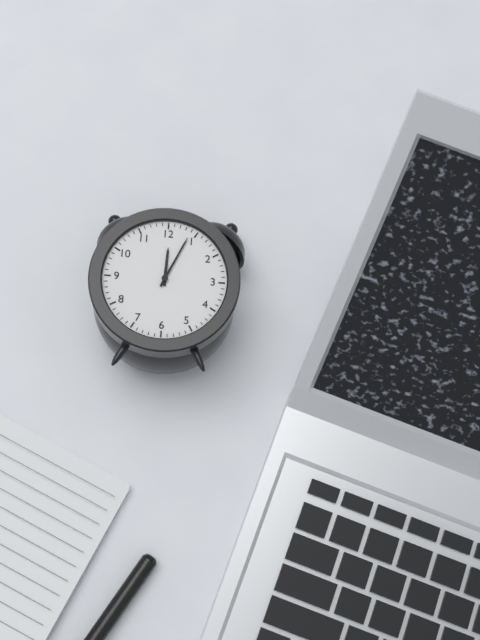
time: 12:04
